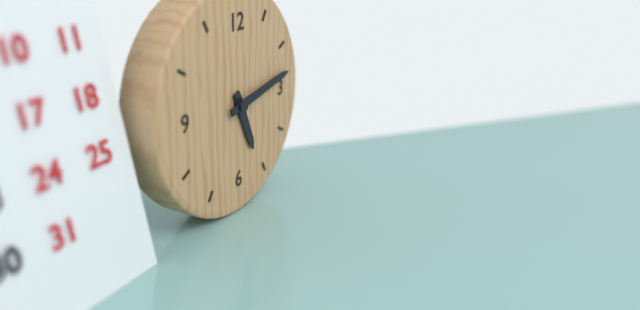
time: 5:13
